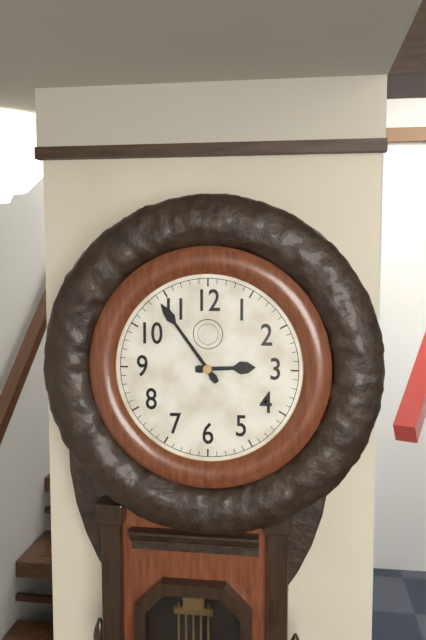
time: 2:54
